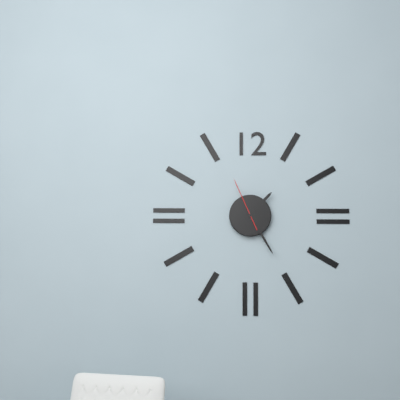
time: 1:25
